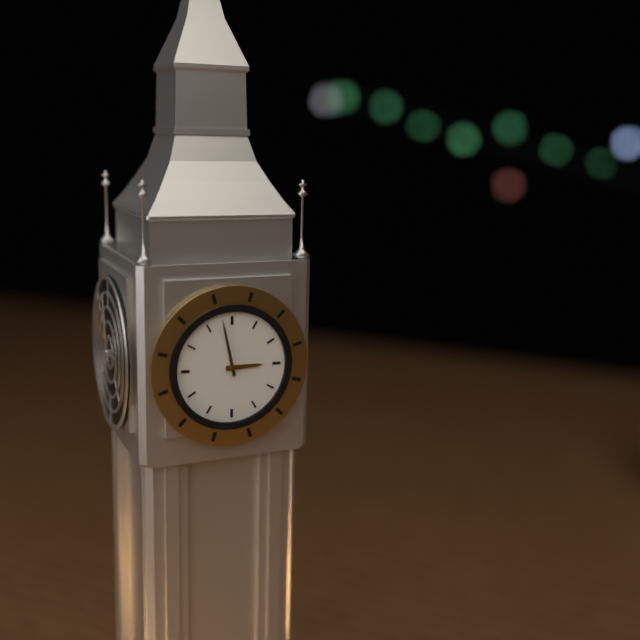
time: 2:58
